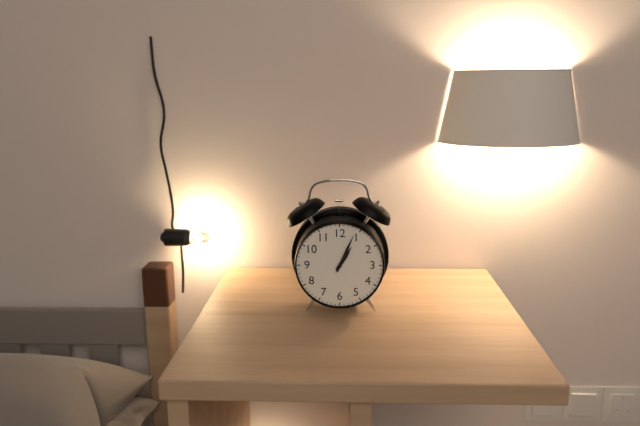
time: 1:04
